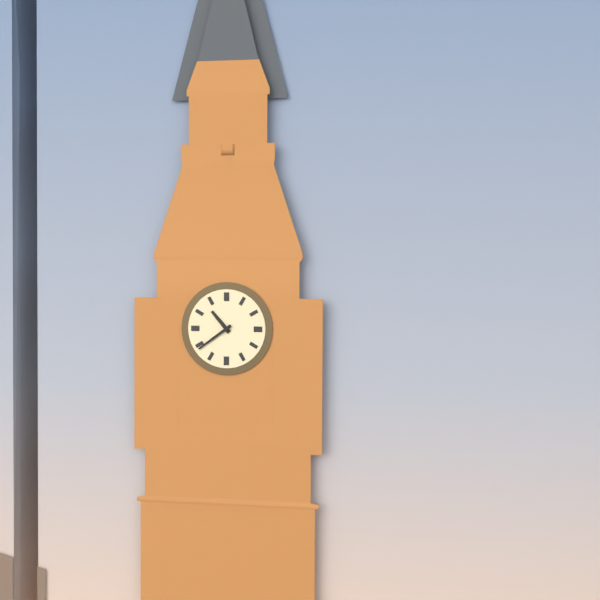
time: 10:39
